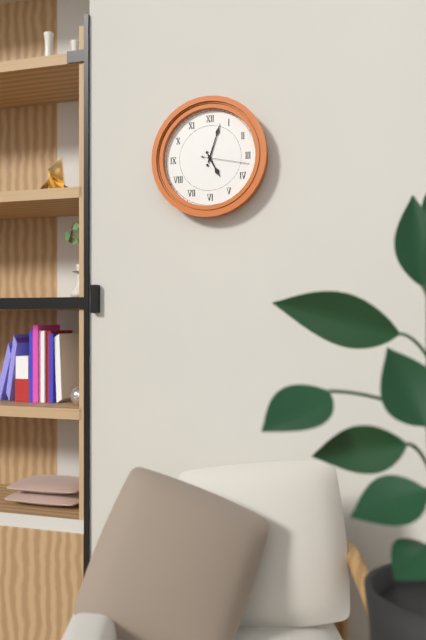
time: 5:03
